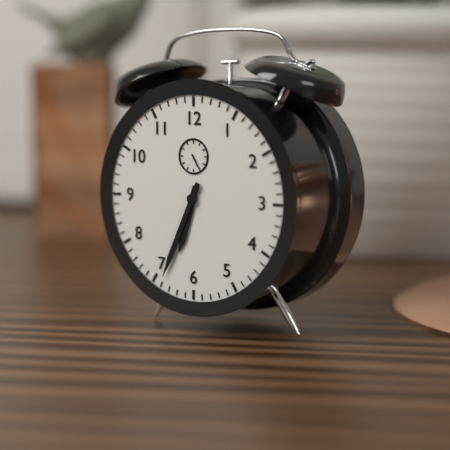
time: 6:34
